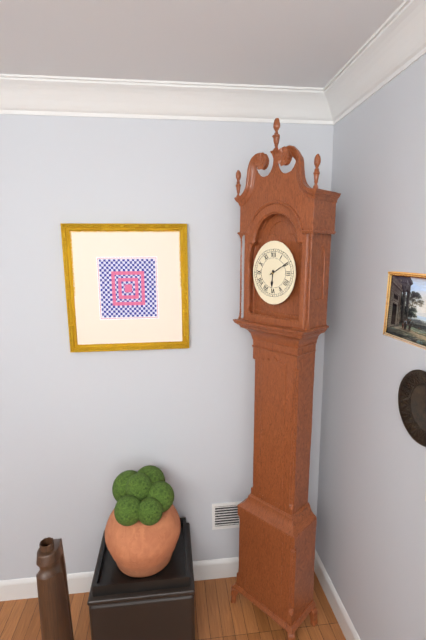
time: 6:10
